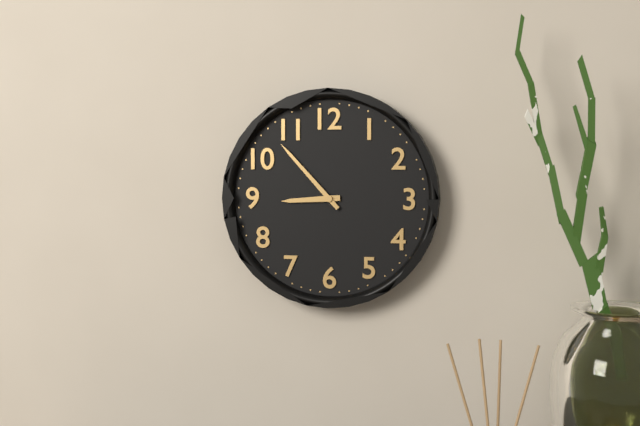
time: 8:53
